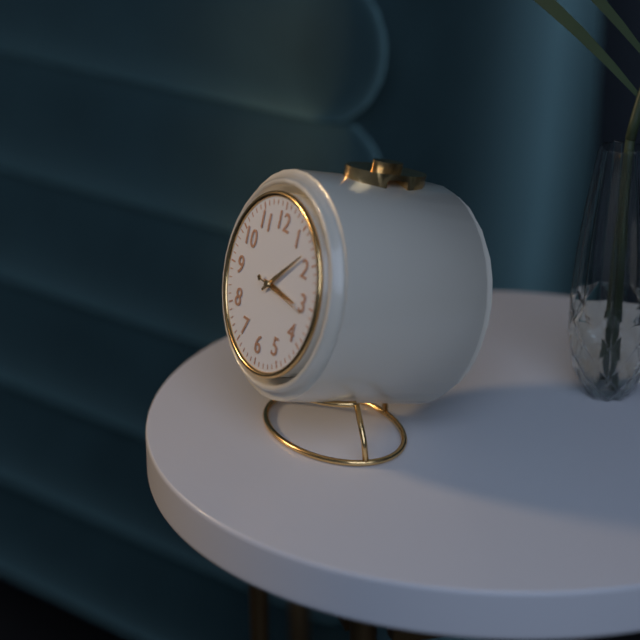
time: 3:08:16
